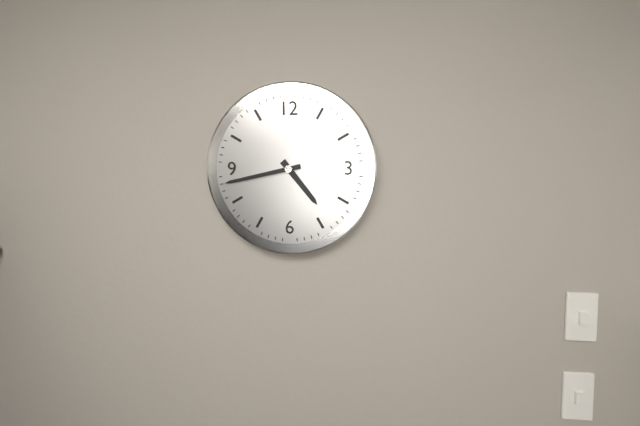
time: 4:43
